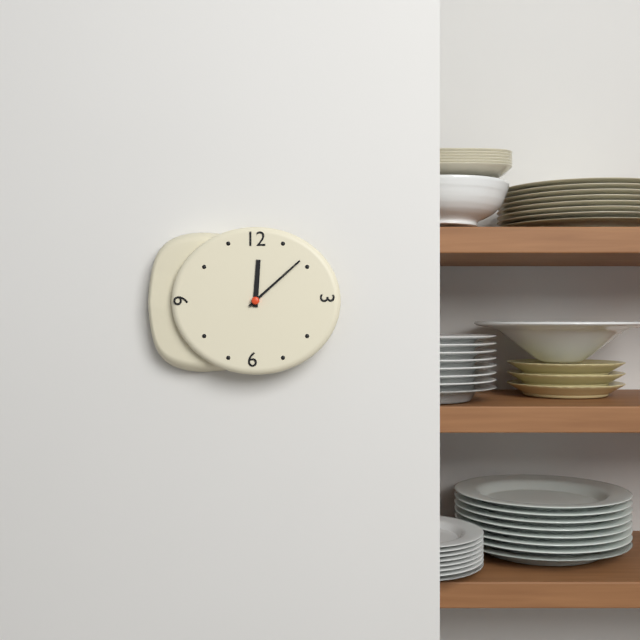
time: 12:08
